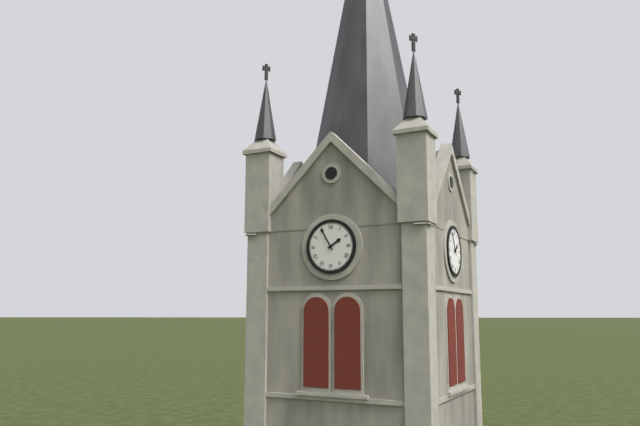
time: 1:55
